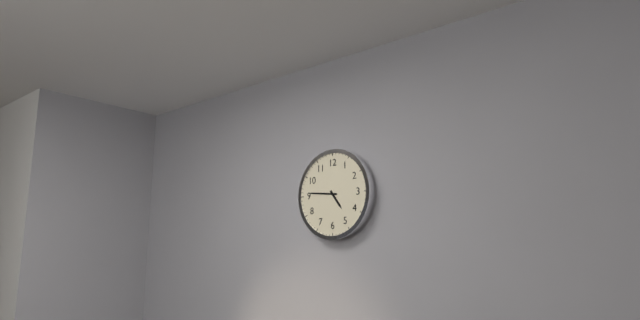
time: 4:46
